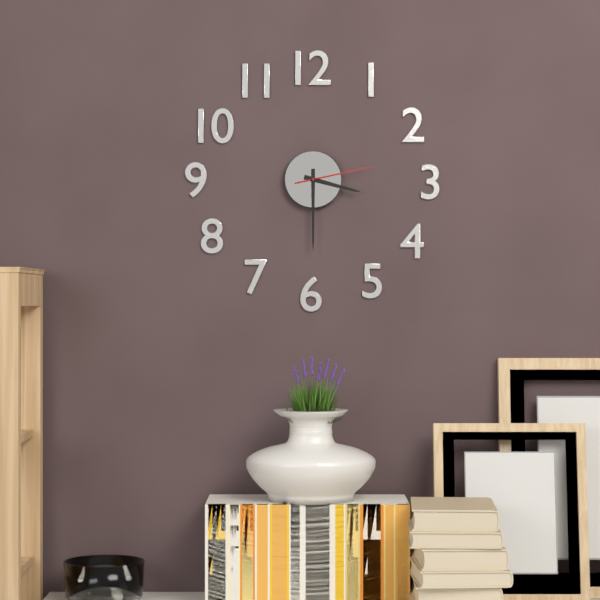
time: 3:30:13
